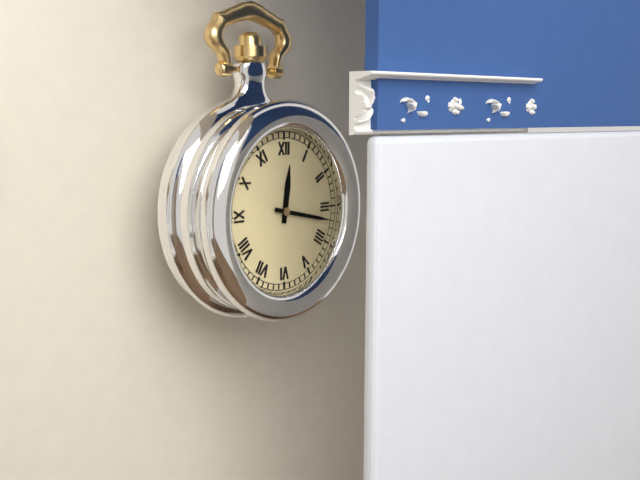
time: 12:17
